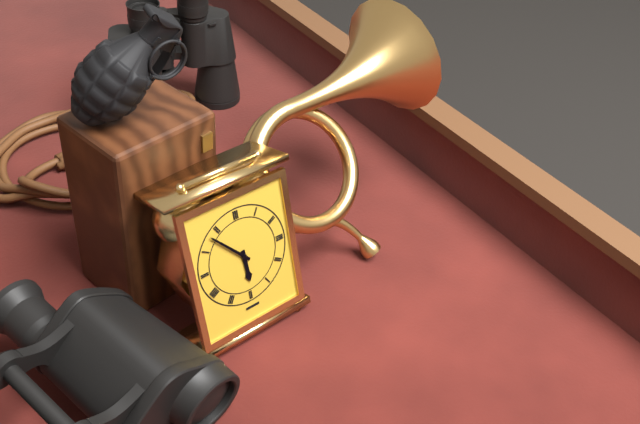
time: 5:53
